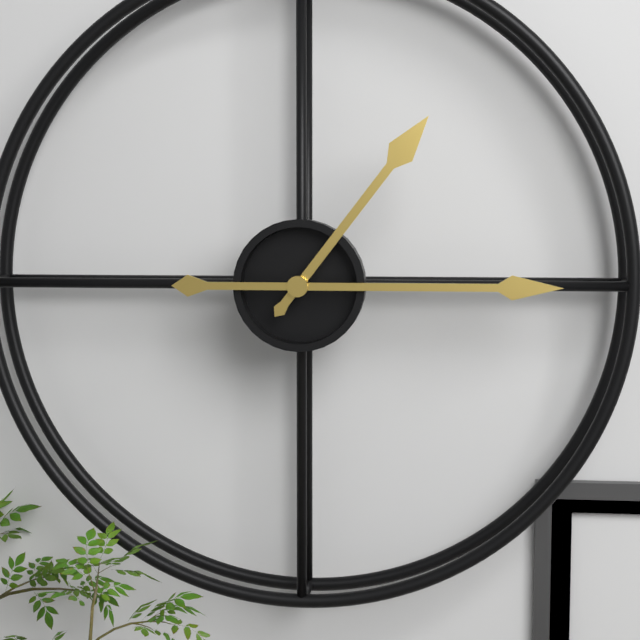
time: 1:15
